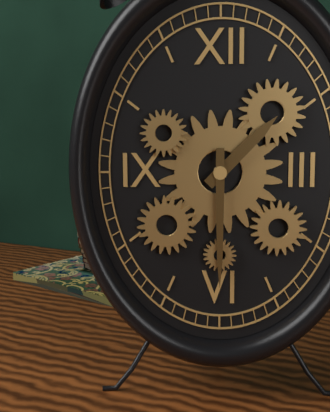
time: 1:30
